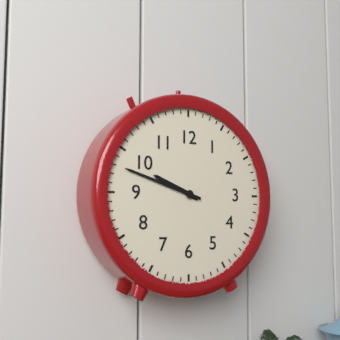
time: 9:48
